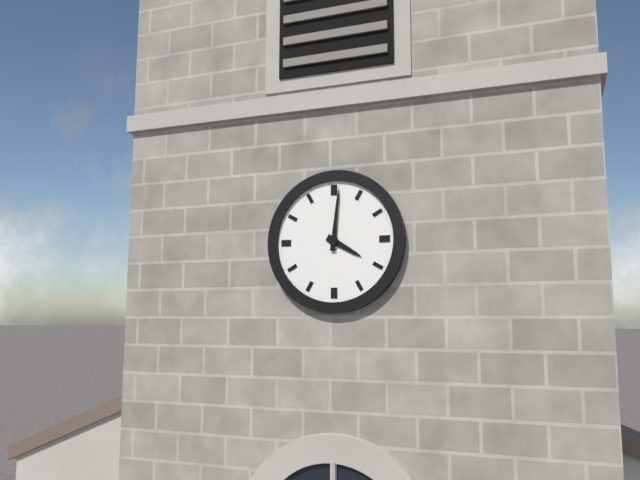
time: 4:01
